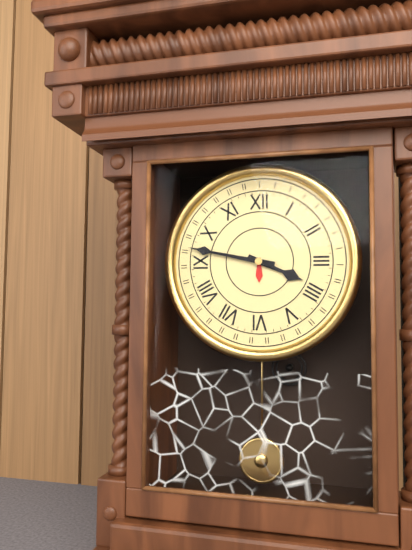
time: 3:47
